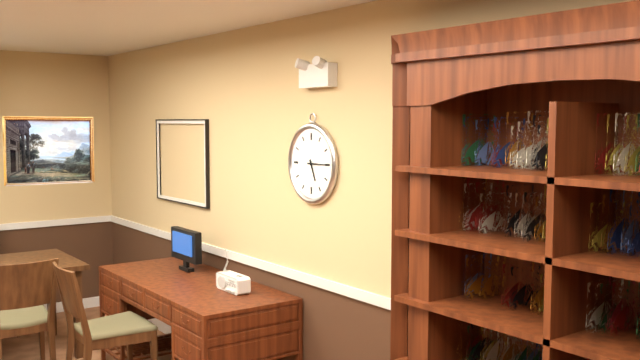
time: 5:15
